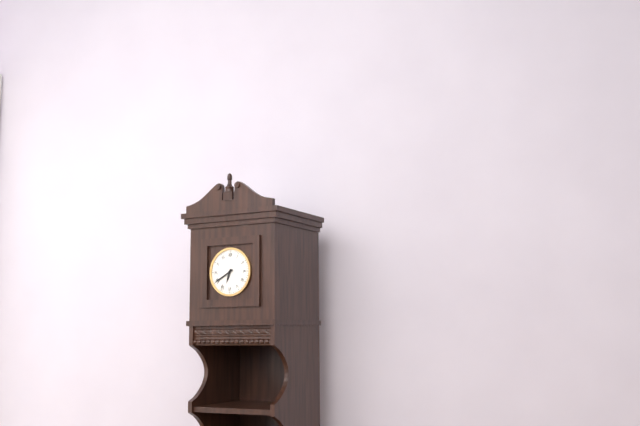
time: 6:40
